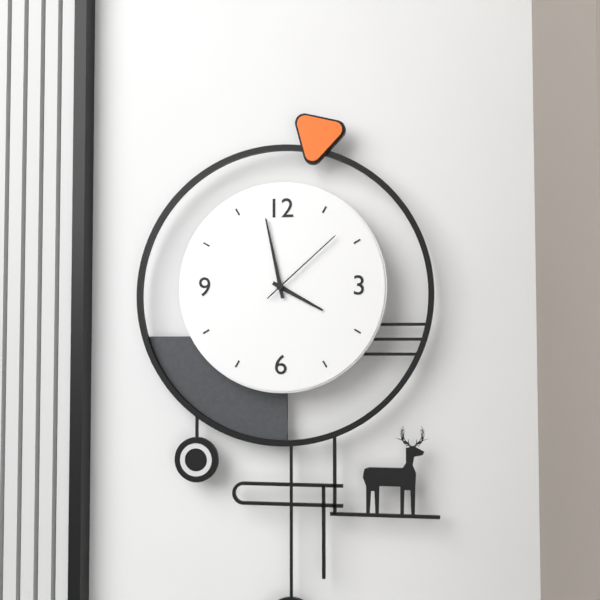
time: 3:58:08
